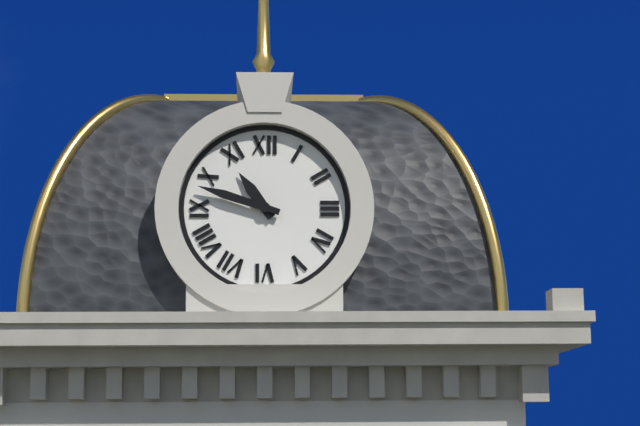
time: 10:48
